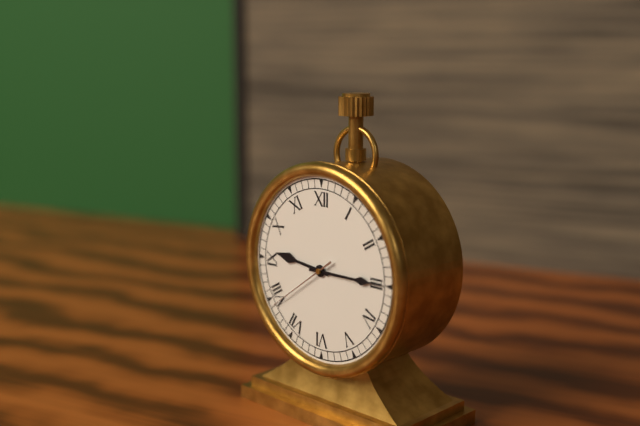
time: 9:15:39
